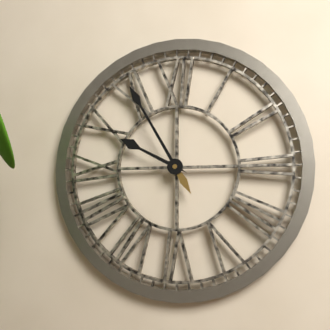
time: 9:55
